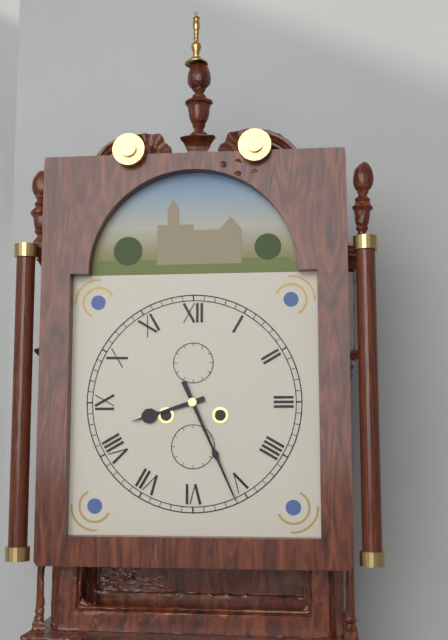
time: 8:26
